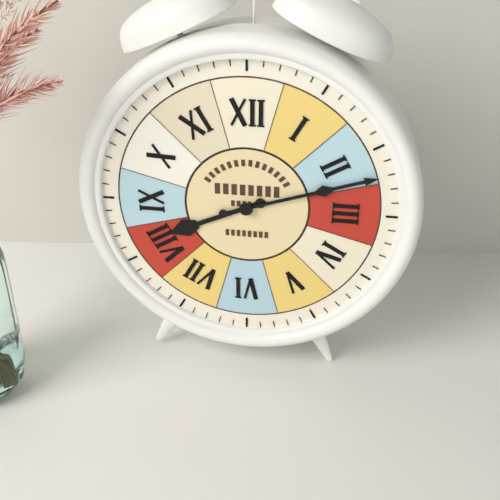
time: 8:12
